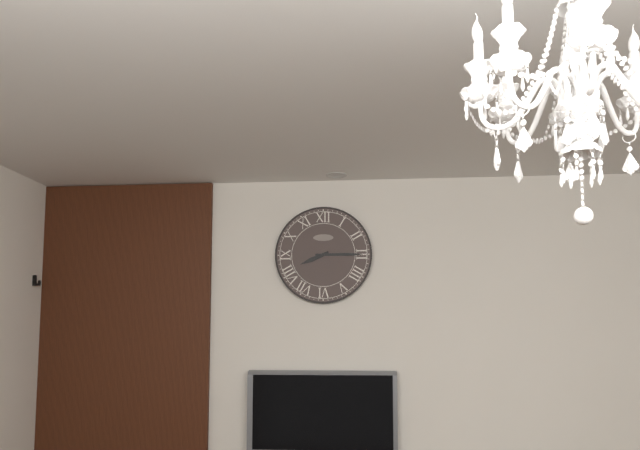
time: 8:15
